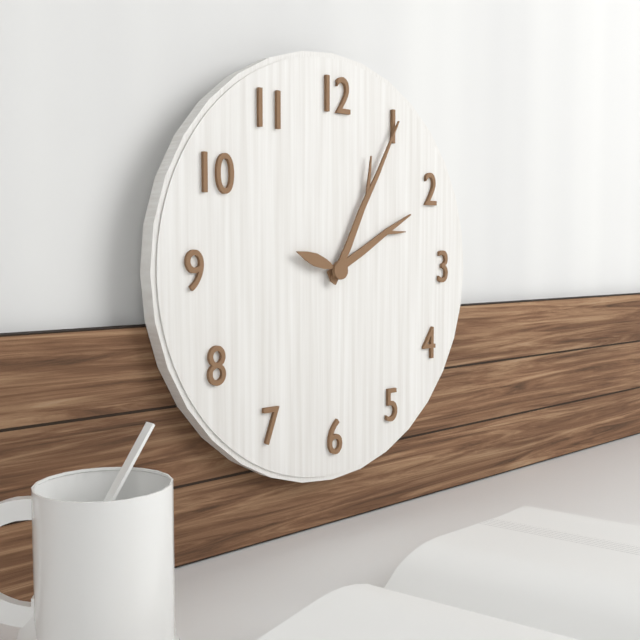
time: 2:05
